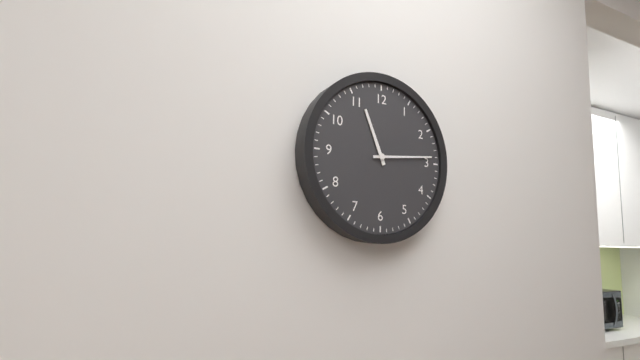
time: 11:14
